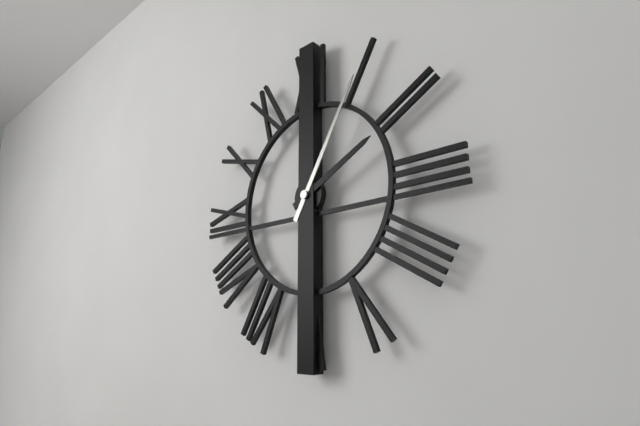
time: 2:05
